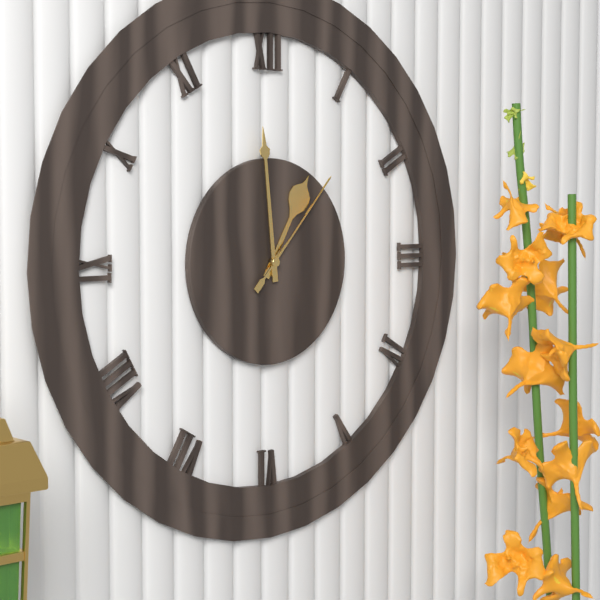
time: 12:59:07
